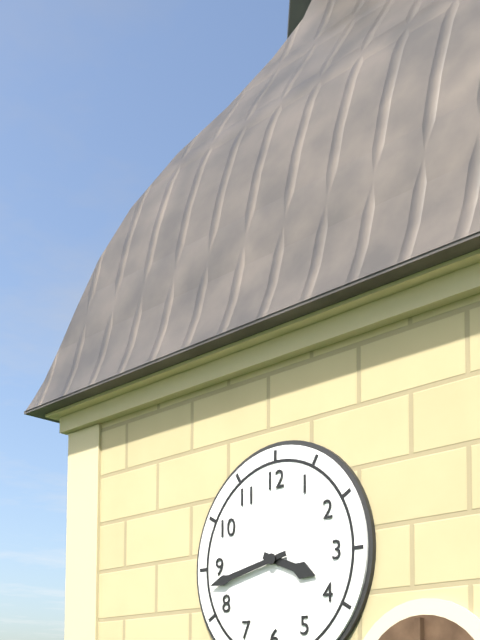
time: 3:43
